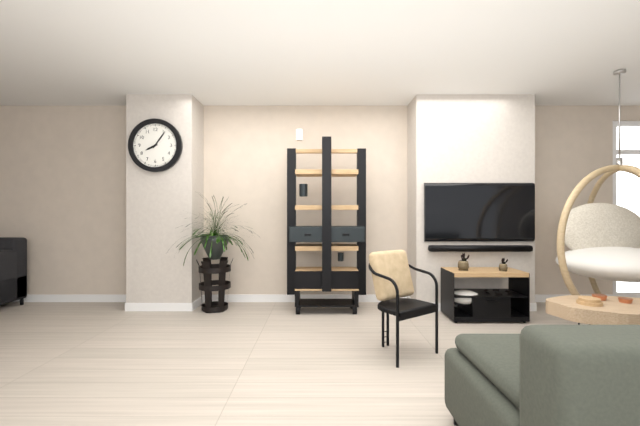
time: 8:06
